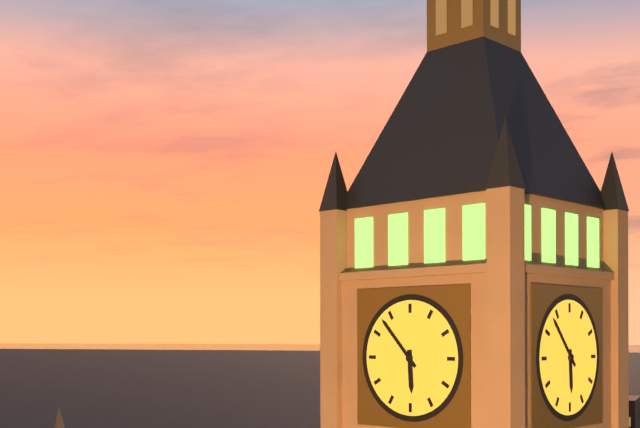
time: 5:53
